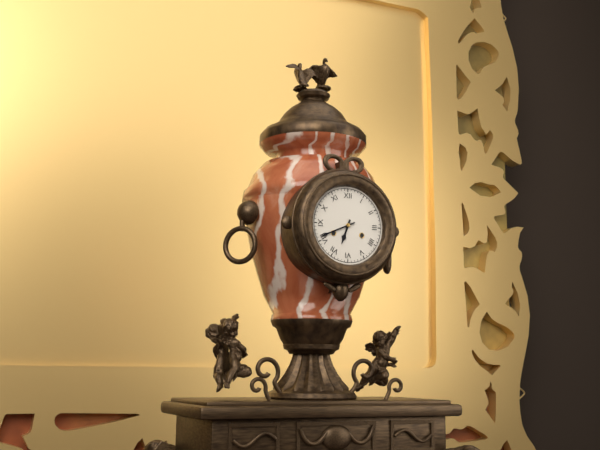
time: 6:41
